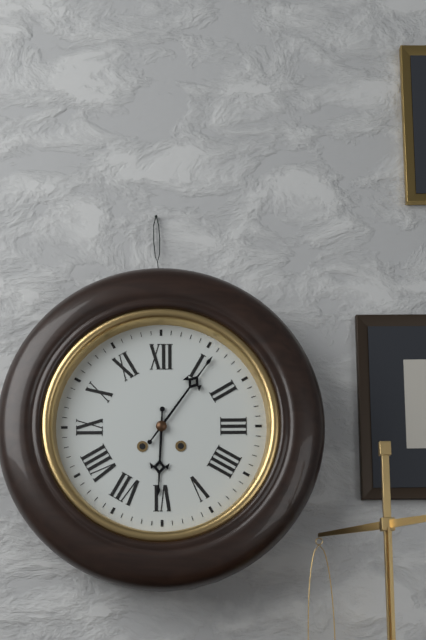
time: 6:06
